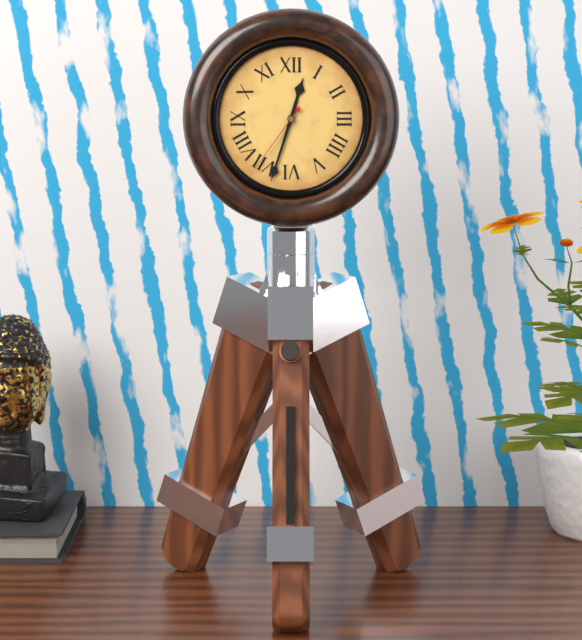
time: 12:33:36
